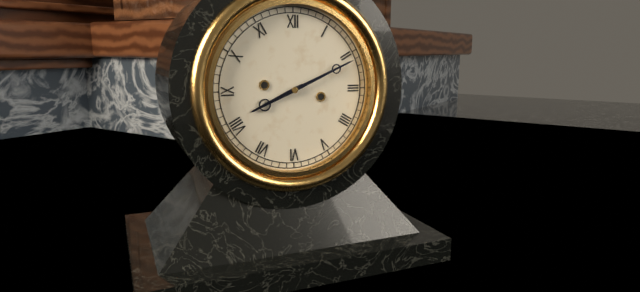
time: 8:11
